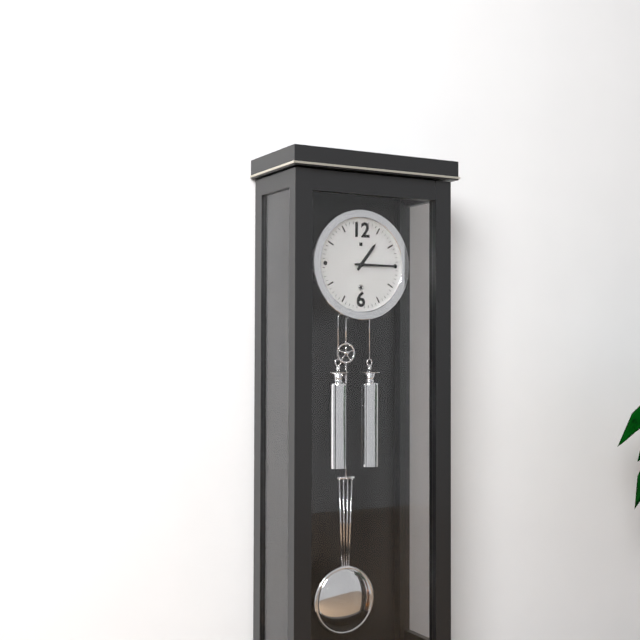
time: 1:15
